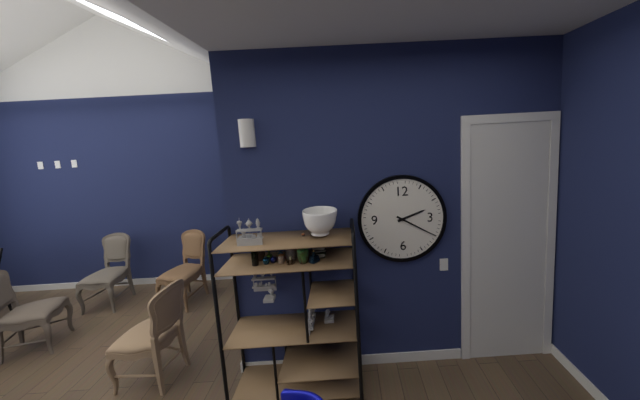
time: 2:20
